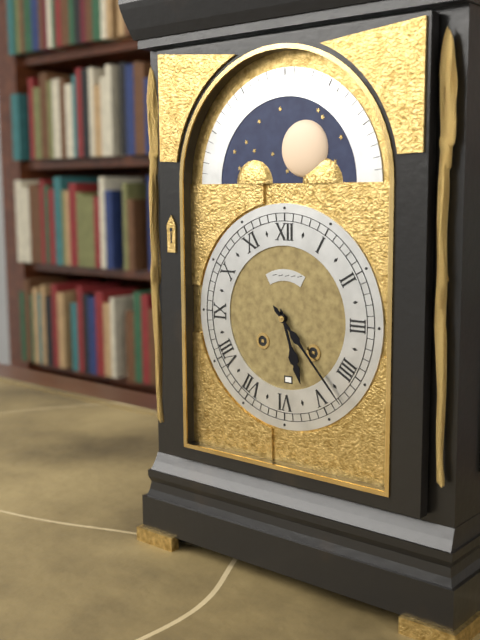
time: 5:23
